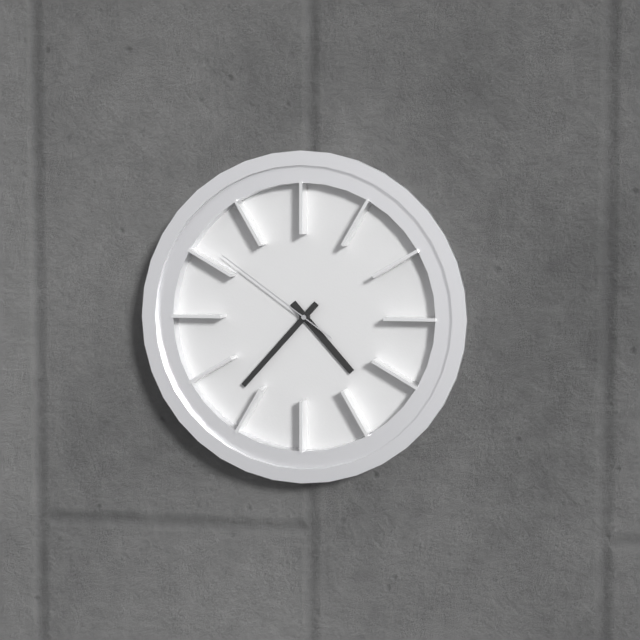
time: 4:37:51
